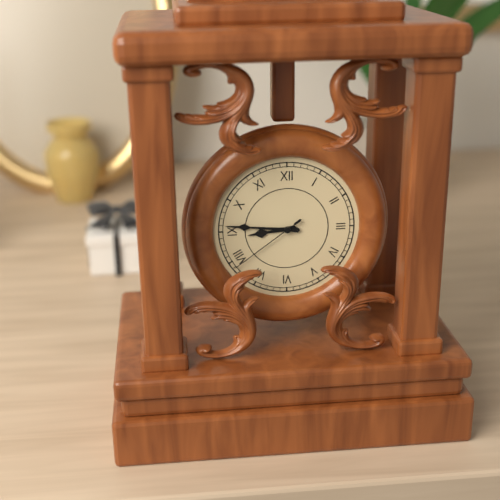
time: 8:46:39
